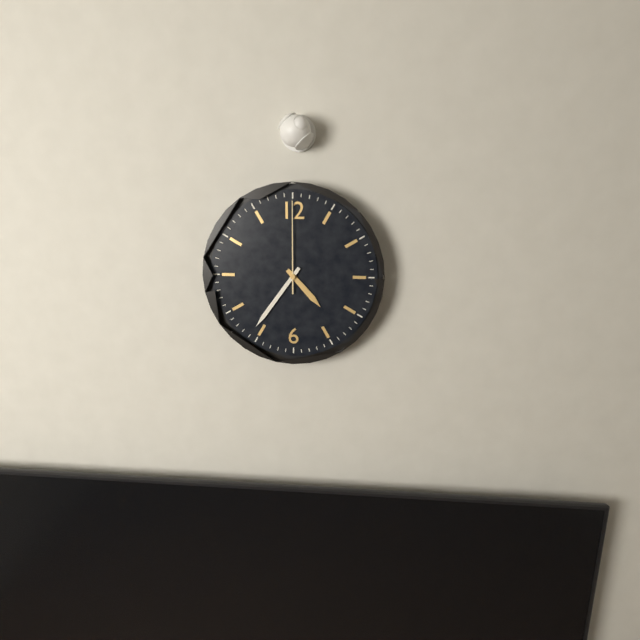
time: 4:36:00
